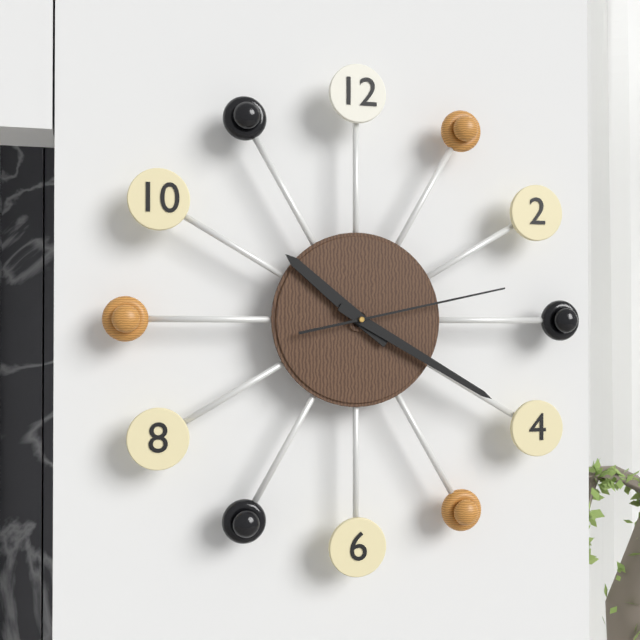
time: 10:20:13
